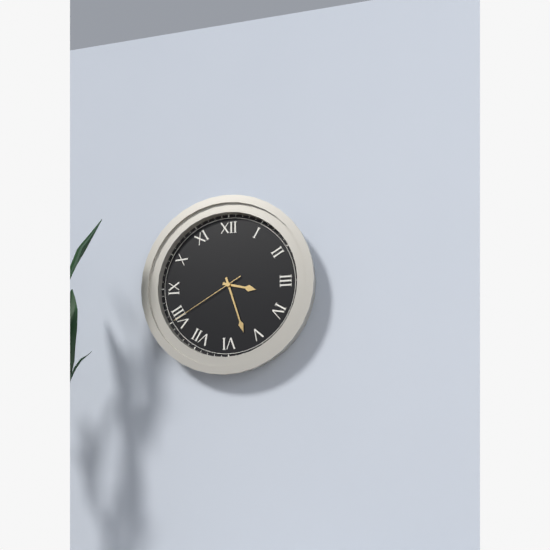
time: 3:27:40
